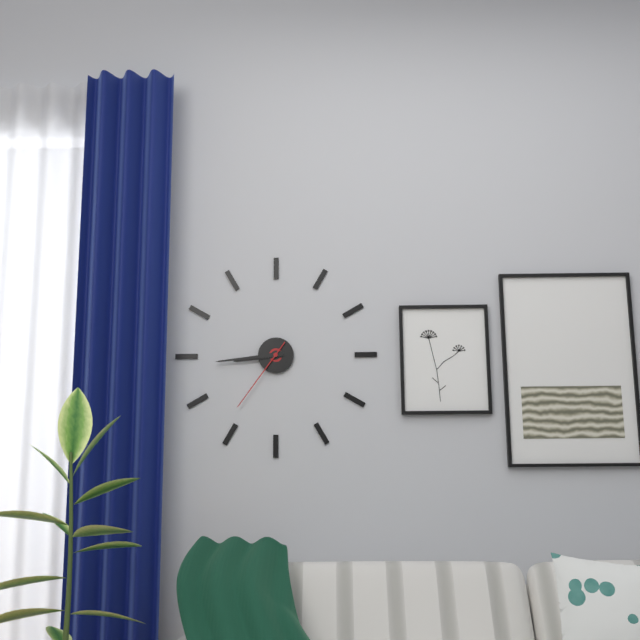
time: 8:44:36
